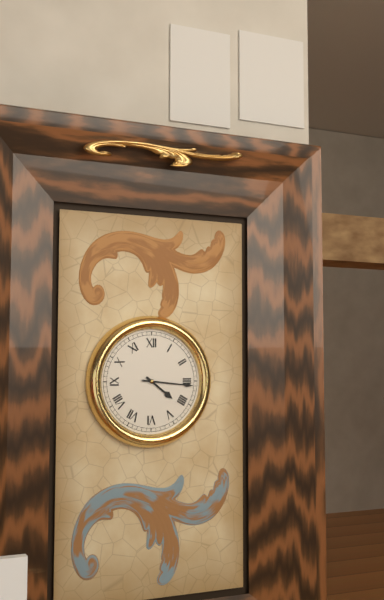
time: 4:16
